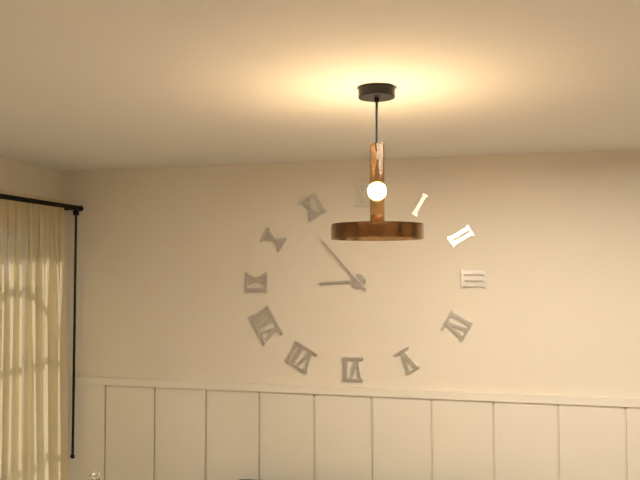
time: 8:53
